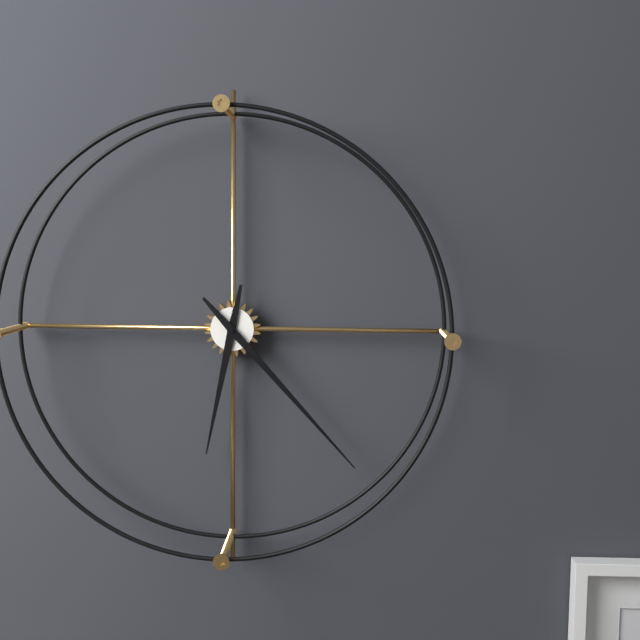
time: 6:23
